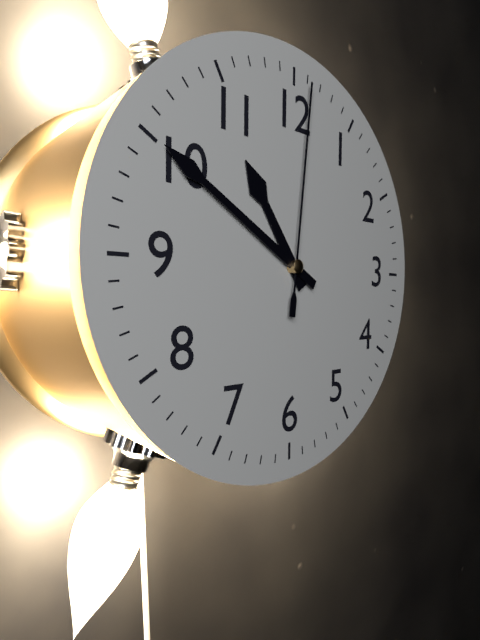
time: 10:50:01
